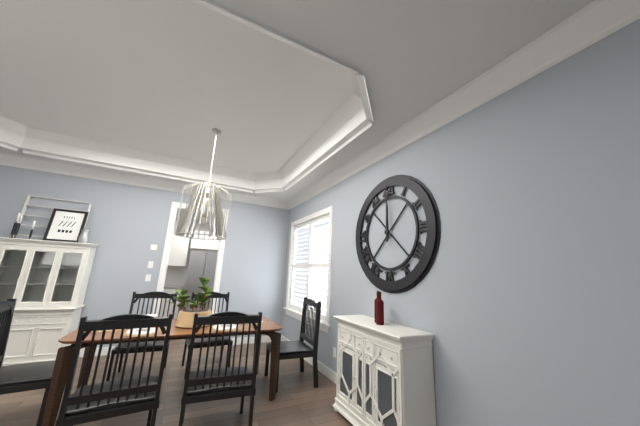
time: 12:00
